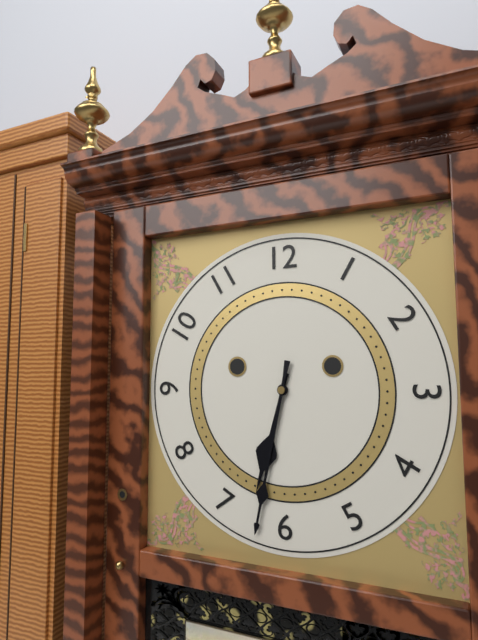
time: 6:32
